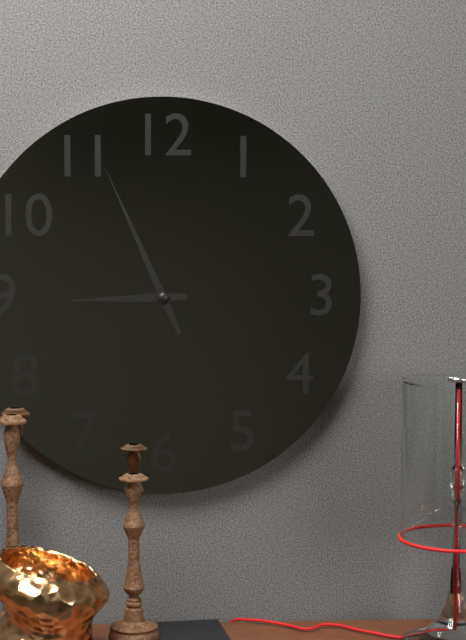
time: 8:56
